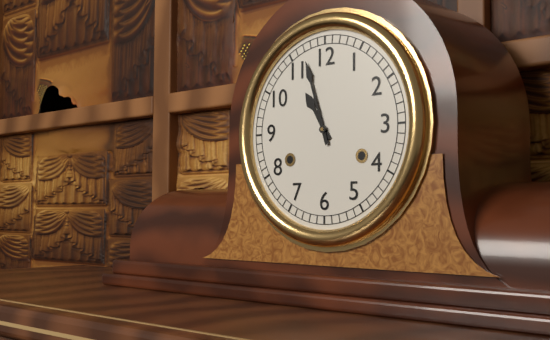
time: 10:57
